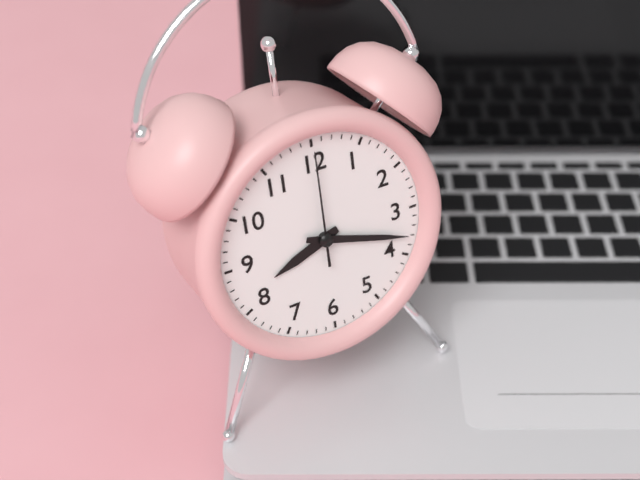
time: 8:18:00
